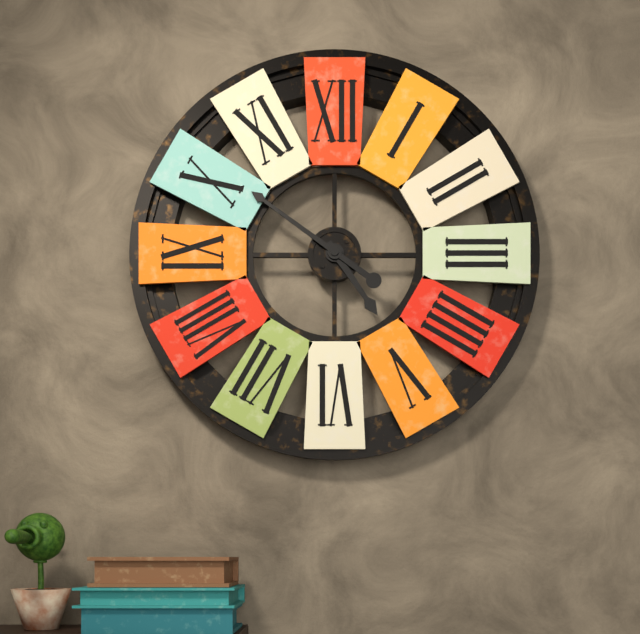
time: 4:51
